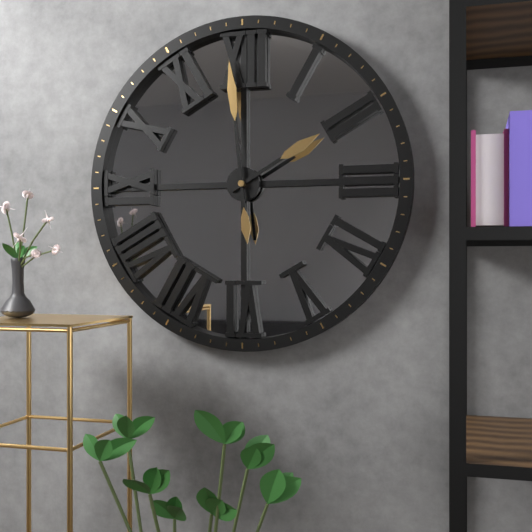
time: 1:59
